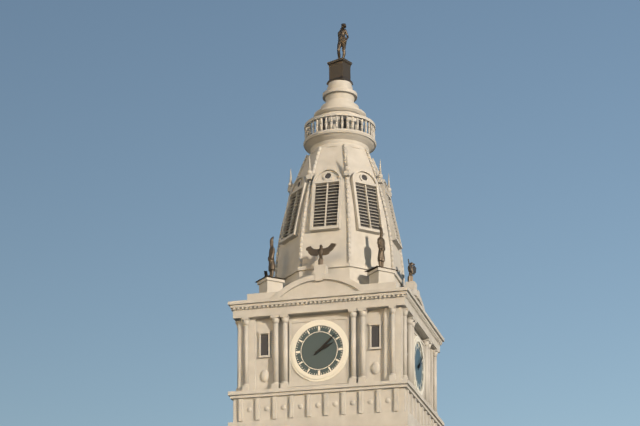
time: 2:08
